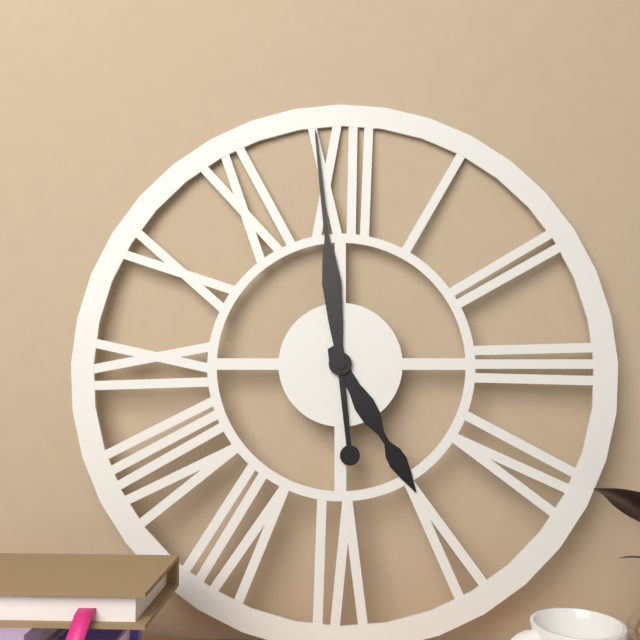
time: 4:59
